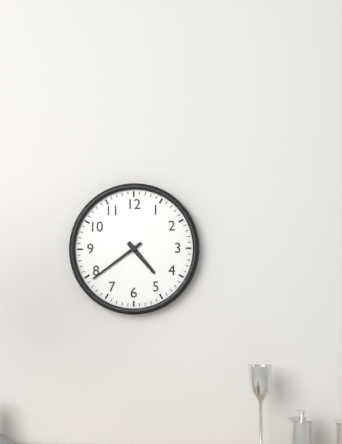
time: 4:39
